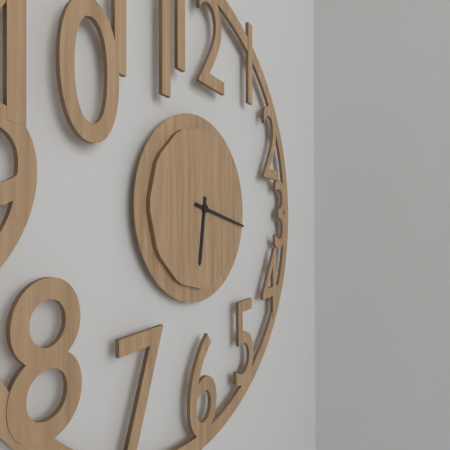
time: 6:17
